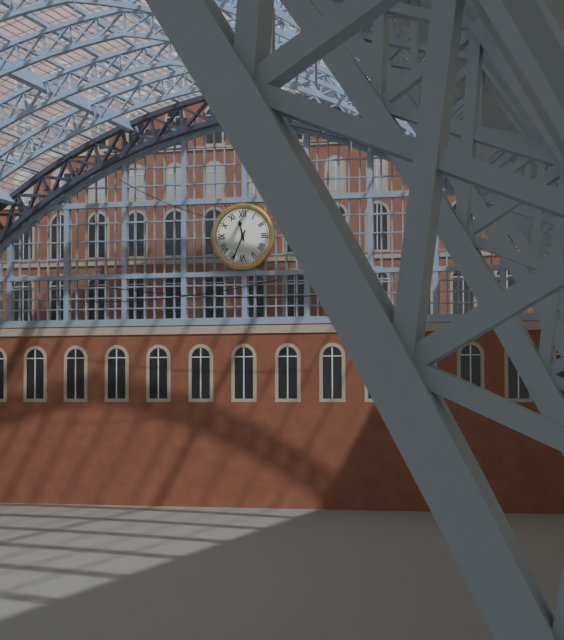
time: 11:34
